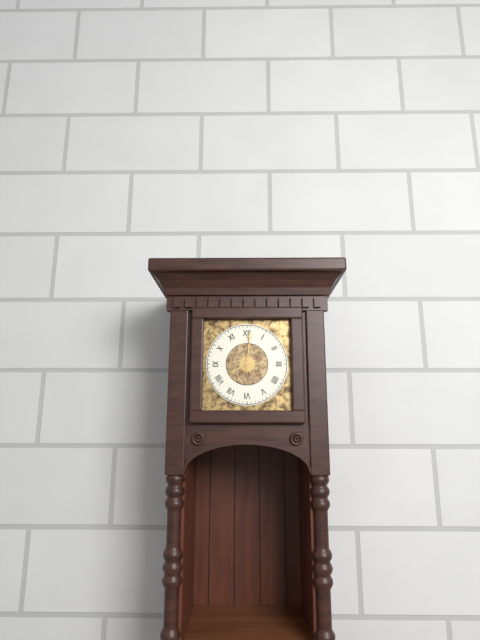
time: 8:01
